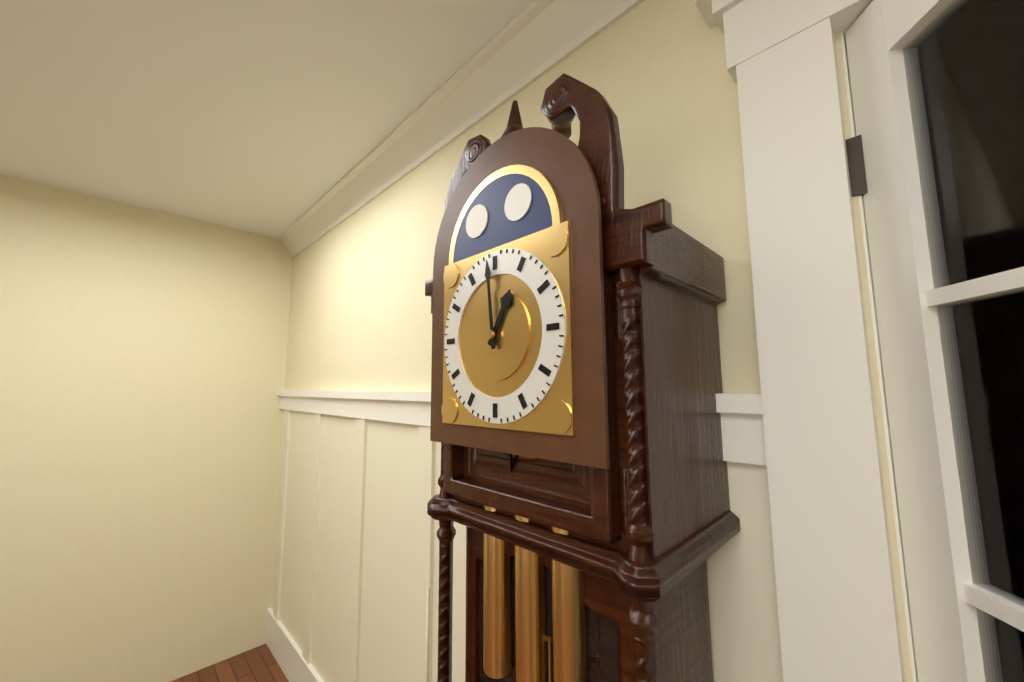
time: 12:59
